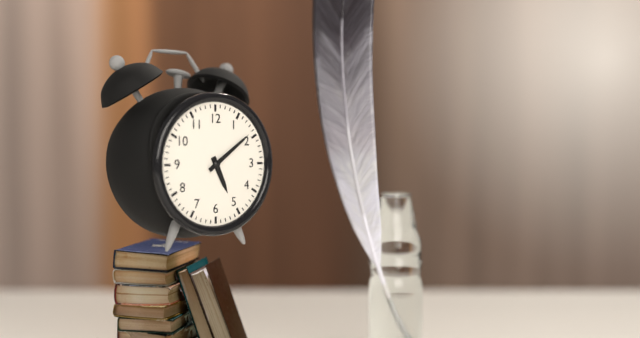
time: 5:09
